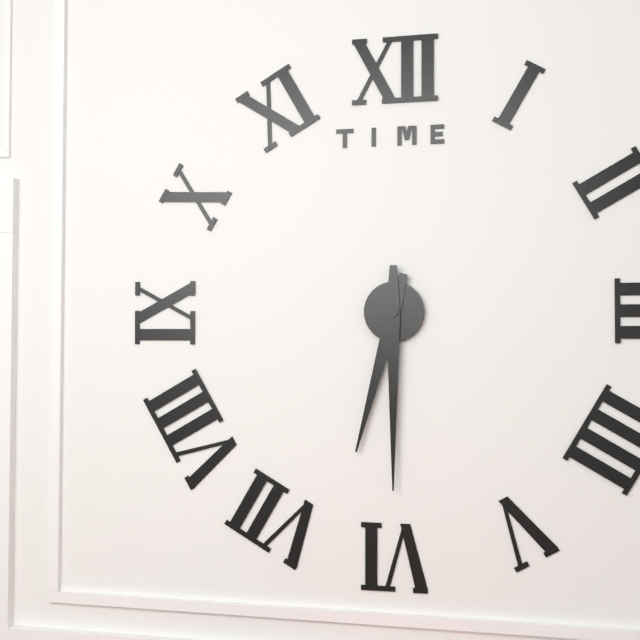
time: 6:30
